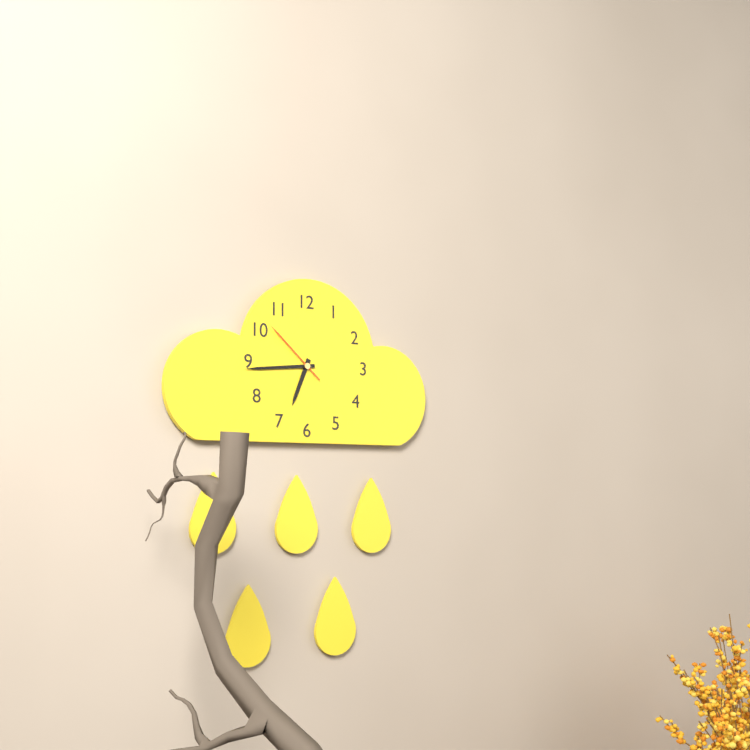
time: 6:44:52
